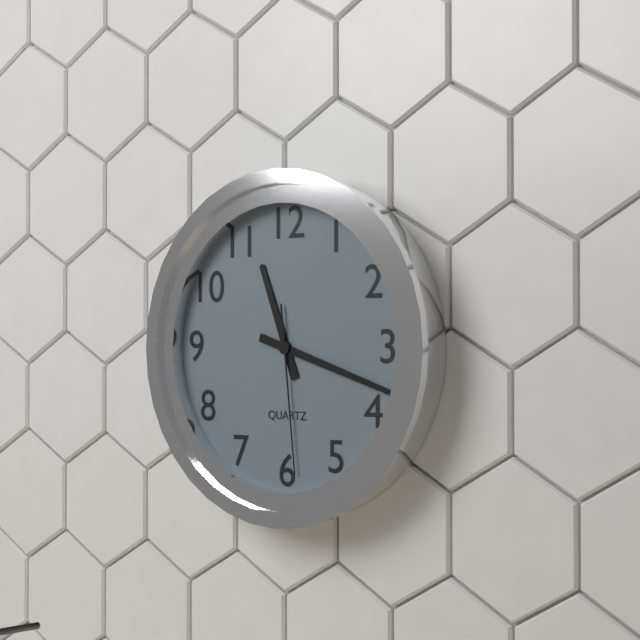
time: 11:18:29
